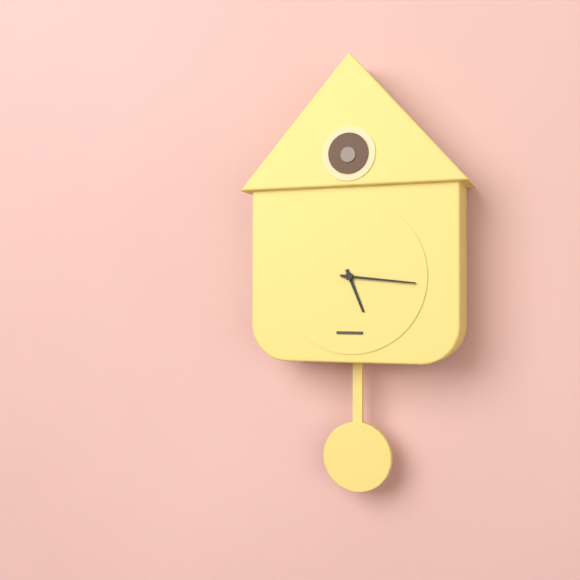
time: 5:16
